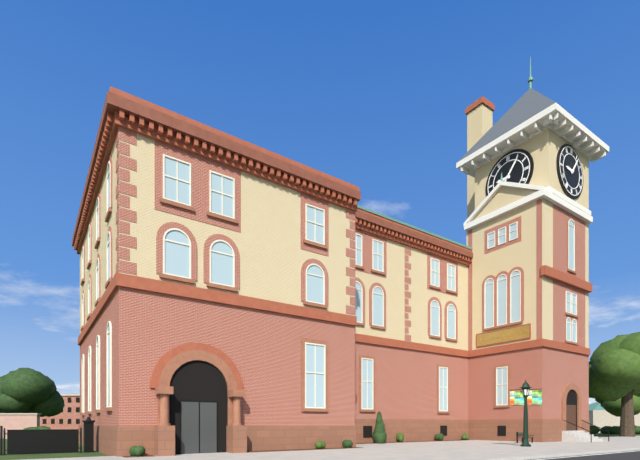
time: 9:06
